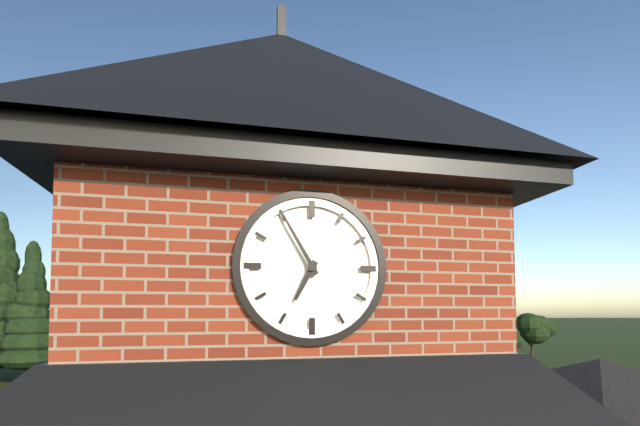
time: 6:55
